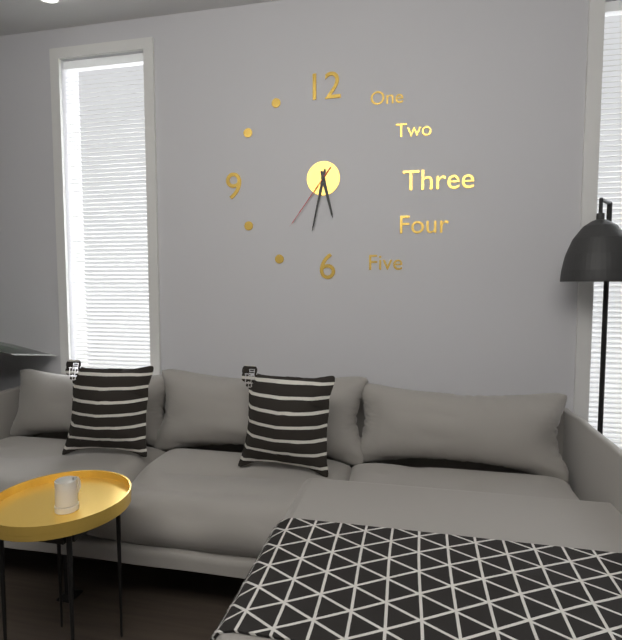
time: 5:32:36
